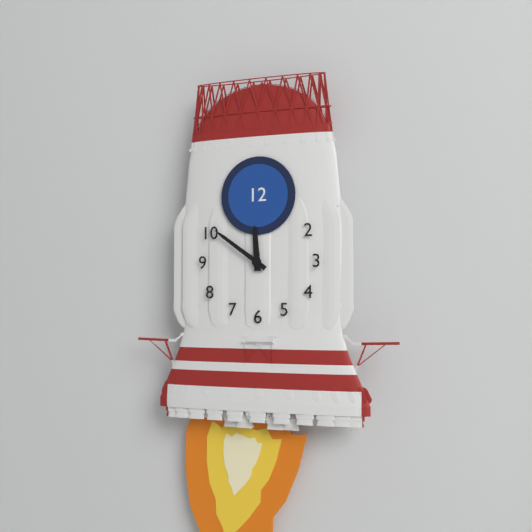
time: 11:51
